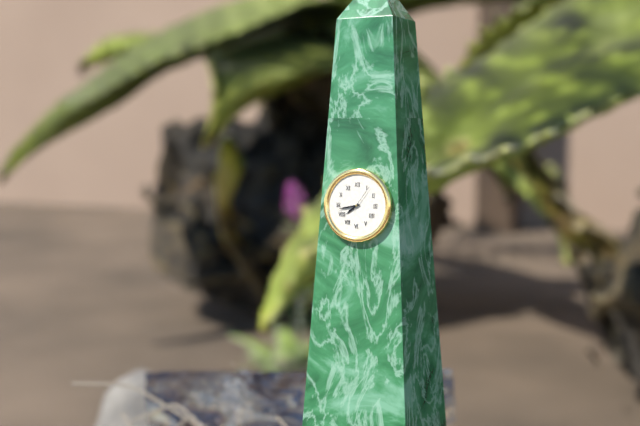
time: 7:43
